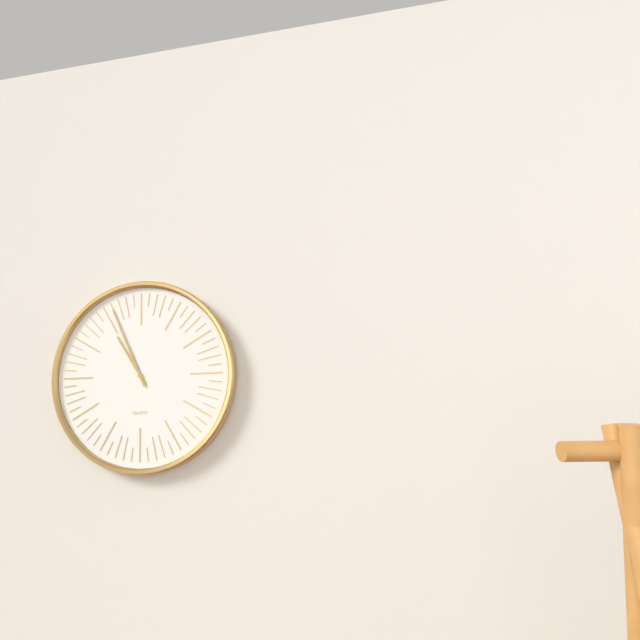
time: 10:56
